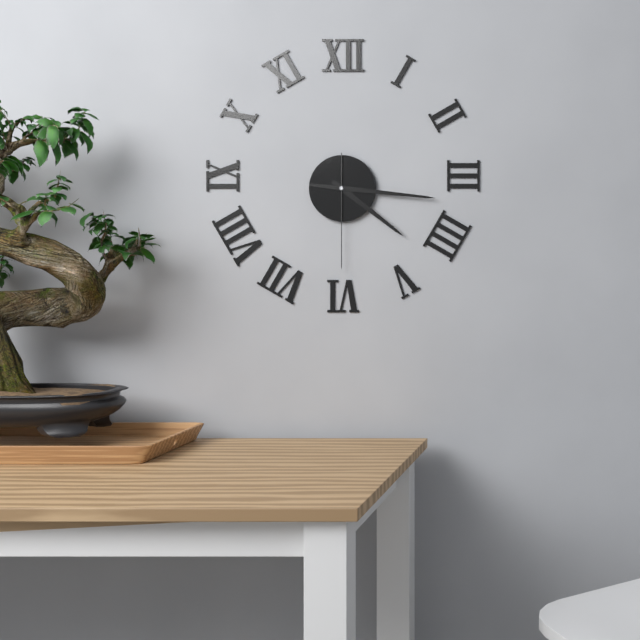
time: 4:16:30
